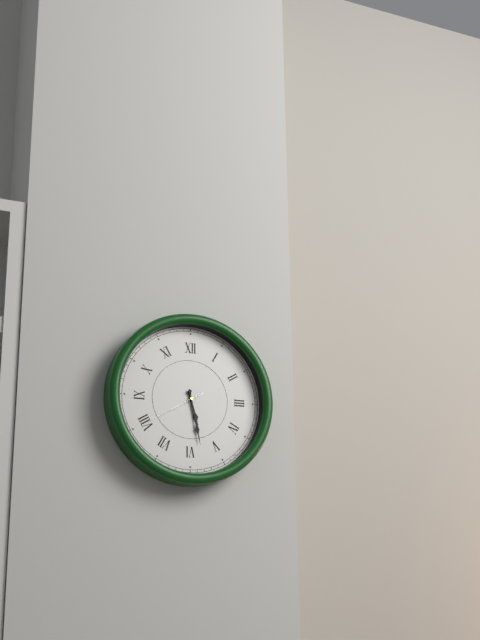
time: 5:28:40
